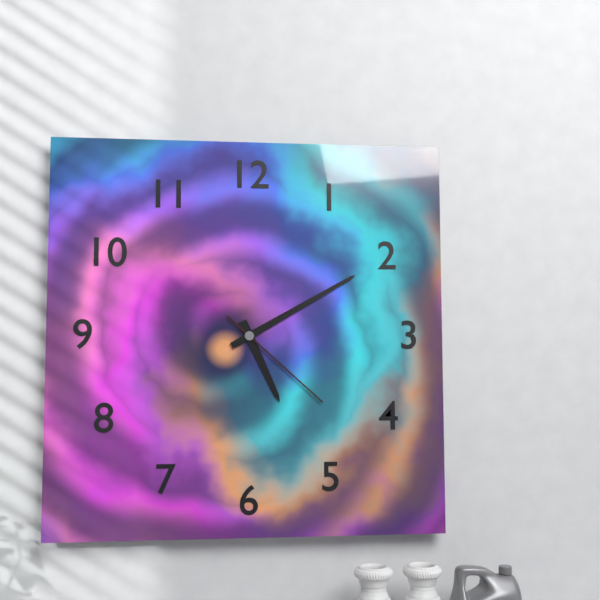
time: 5:10:22
